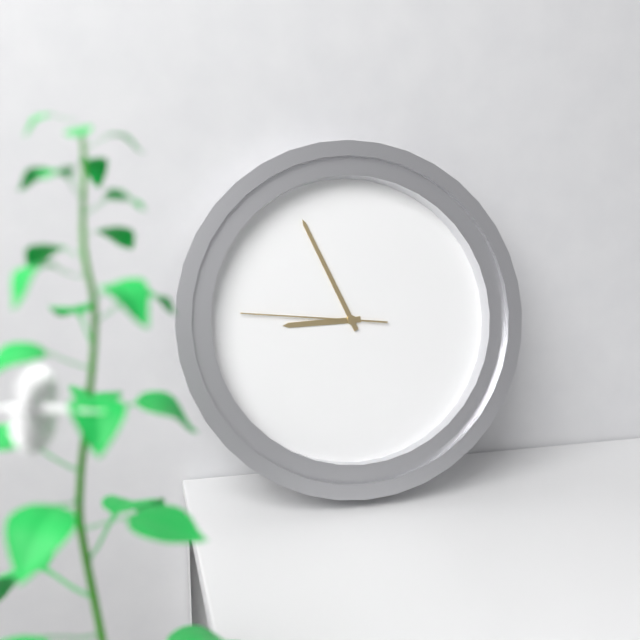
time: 8:56:46
